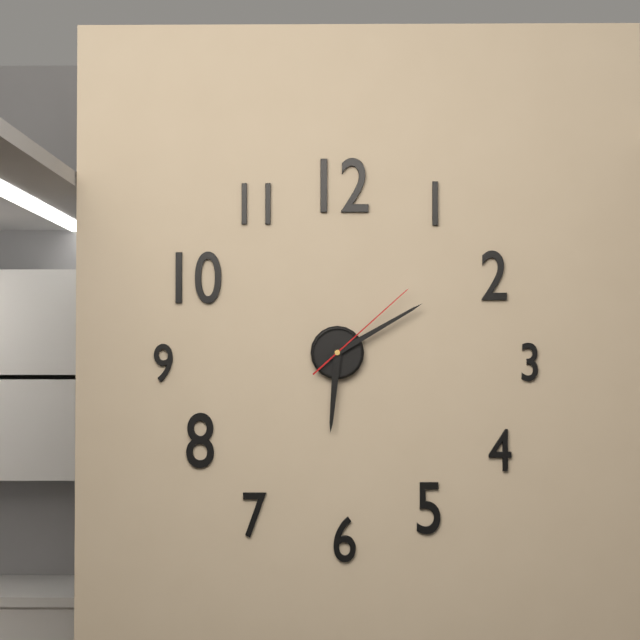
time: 6:10:08
